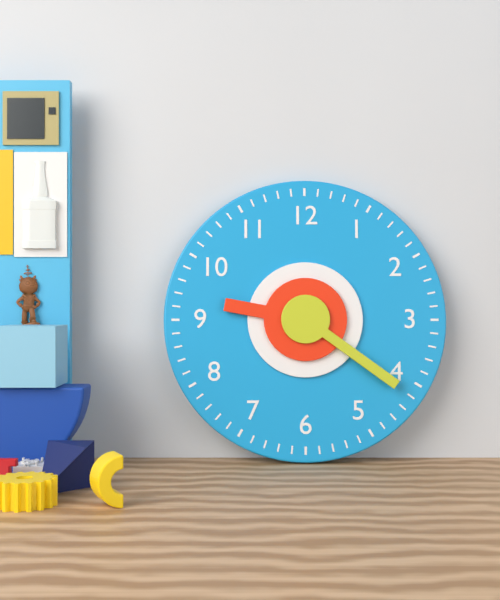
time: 9:21
